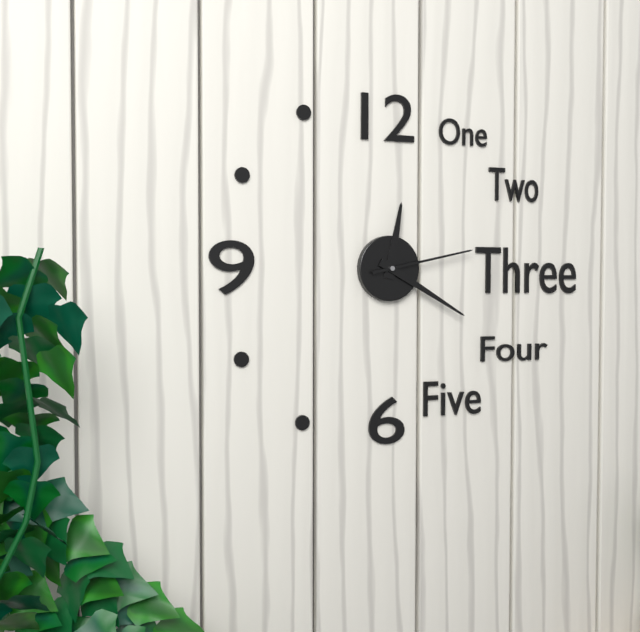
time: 12:20:13
